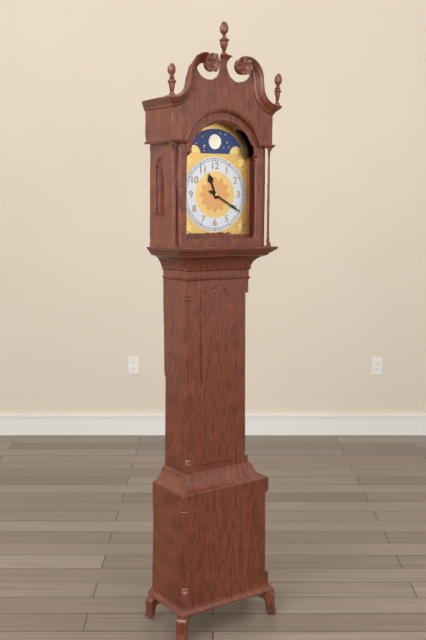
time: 11:20
